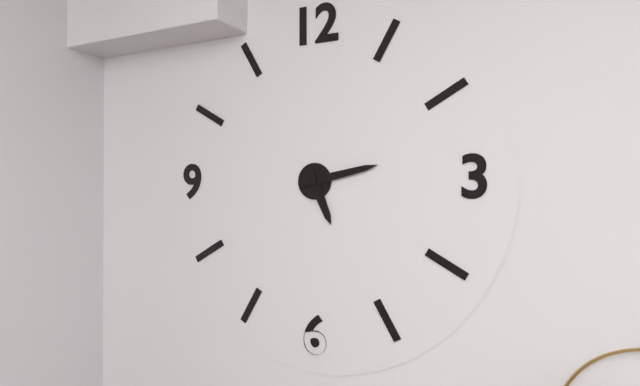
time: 5:13
